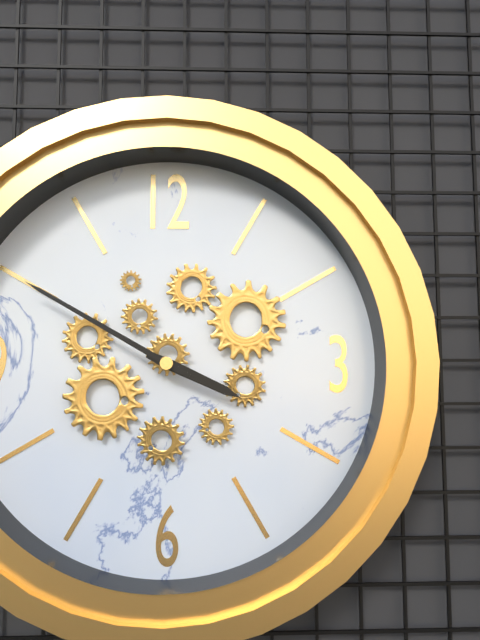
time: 3:50
